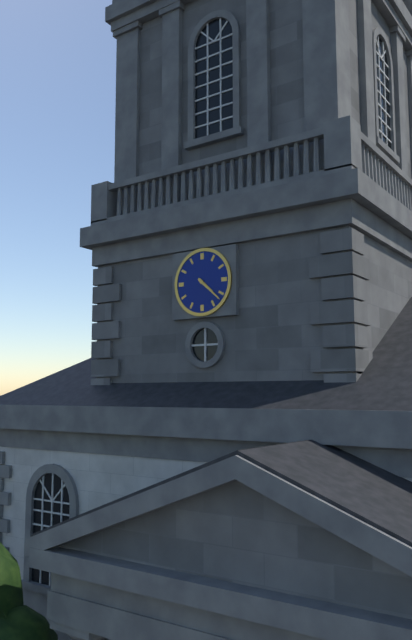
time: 4:22
